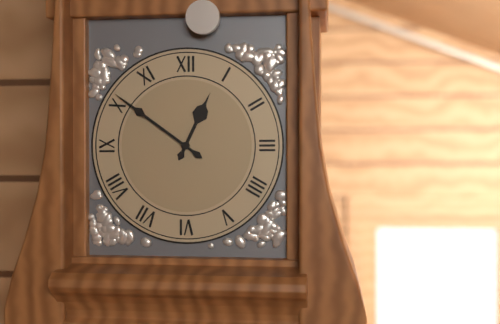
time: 12:51
